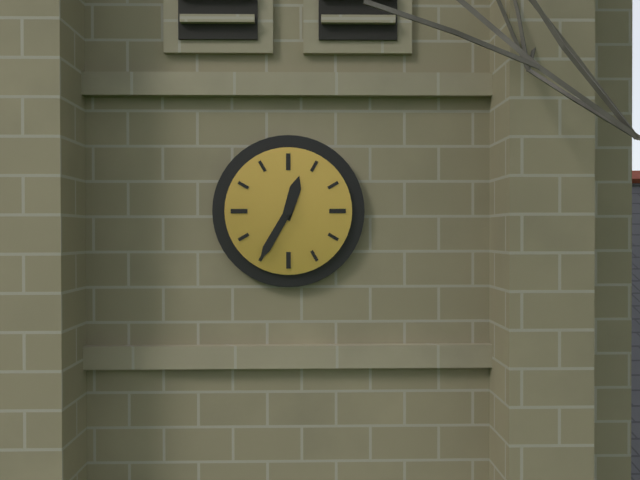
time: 12:35
